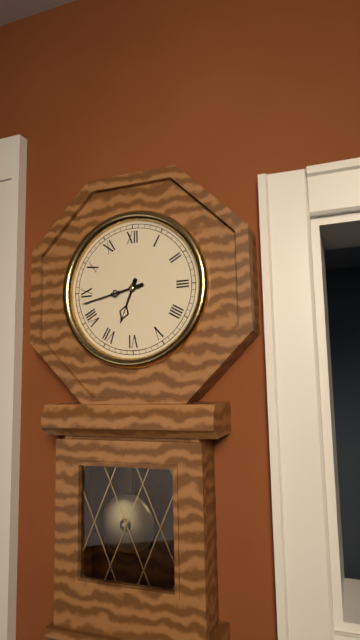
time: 6:43
